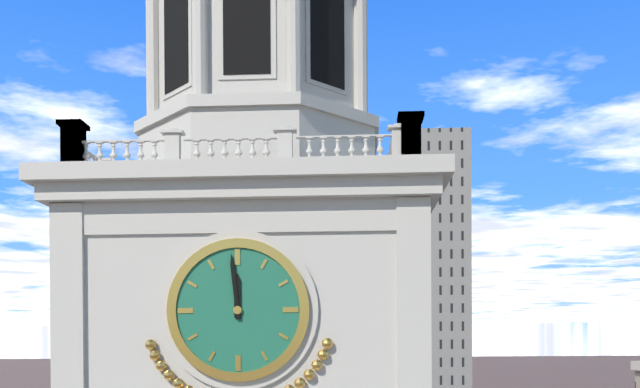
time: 11:59
